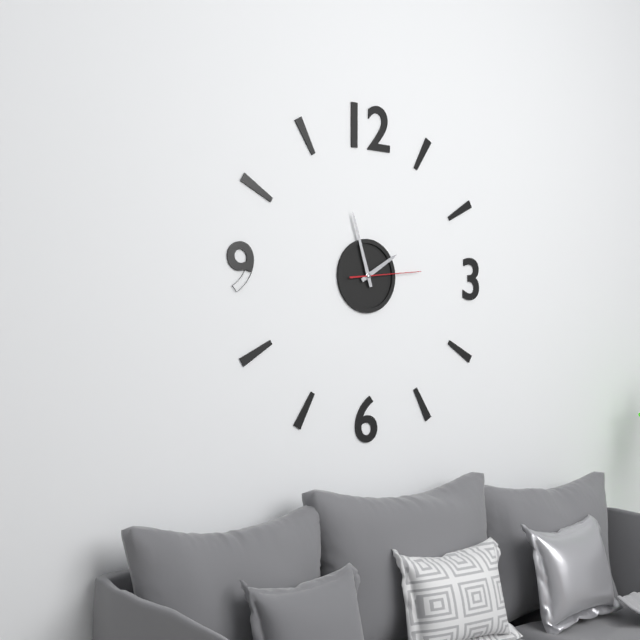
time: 1:57:14
